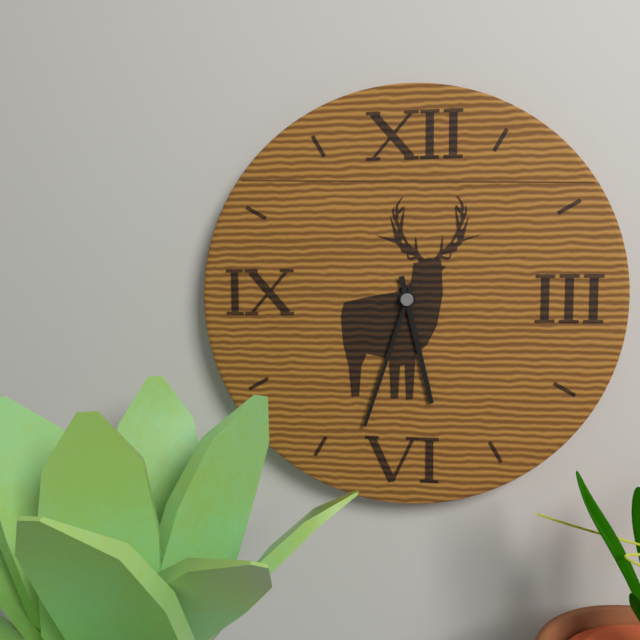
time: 5:33
